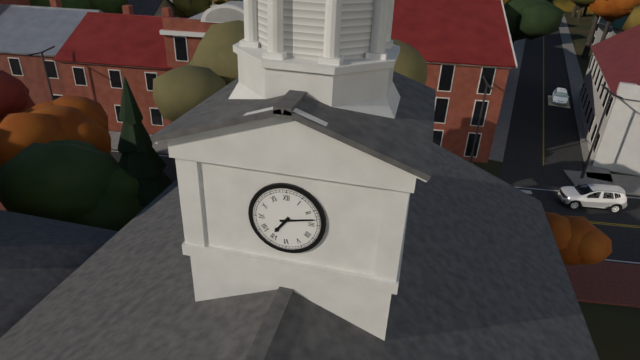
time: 7:13
